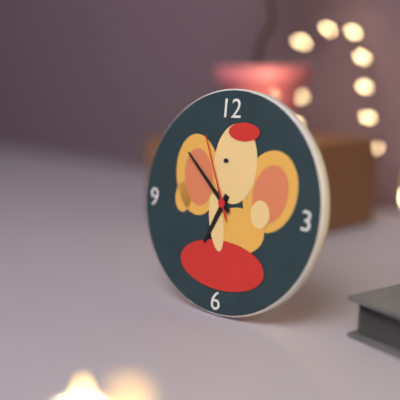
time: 6:52:56
